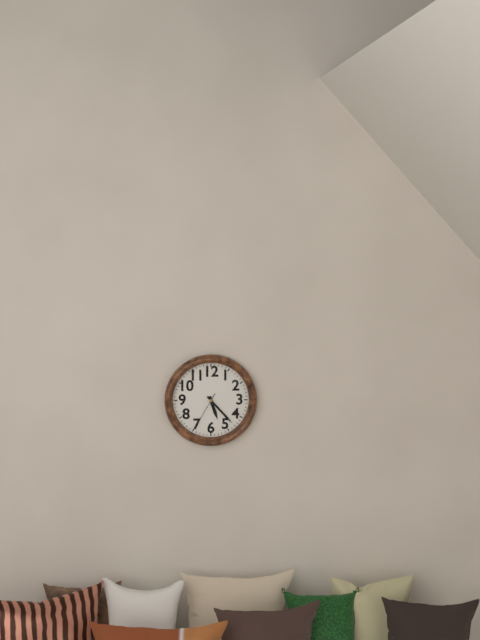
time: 5:23
